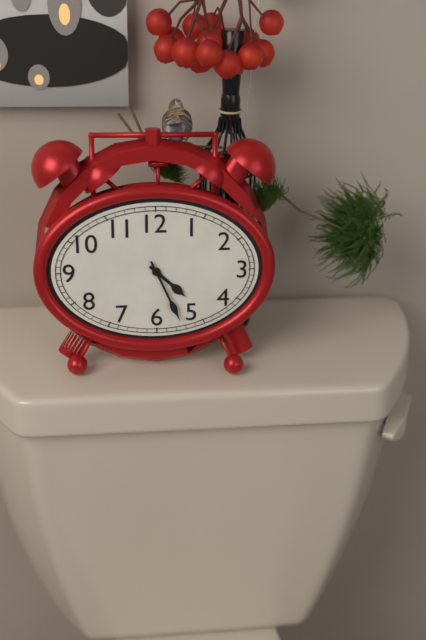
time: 4:26
